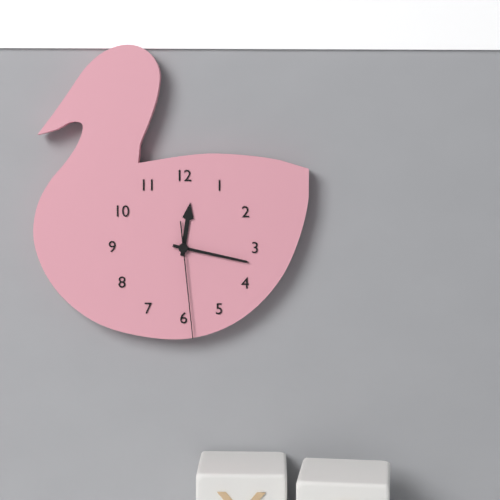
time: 12:17:29
